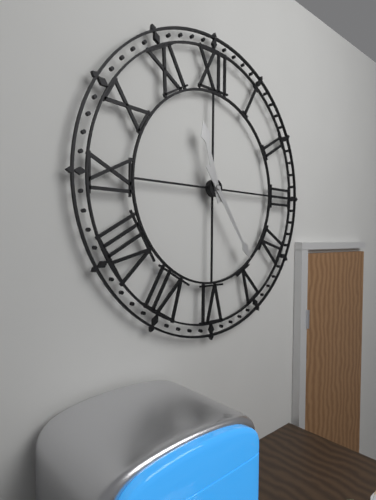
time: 11:24
